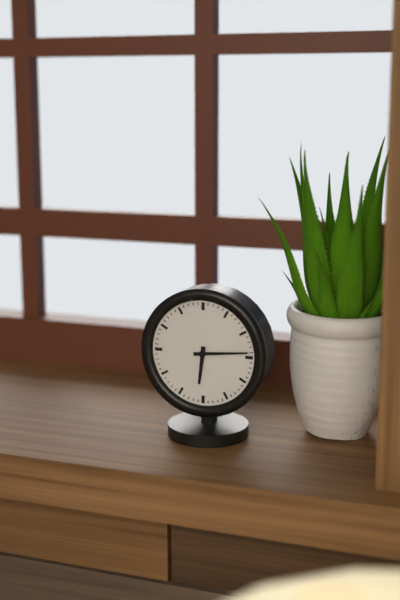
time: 6:14
